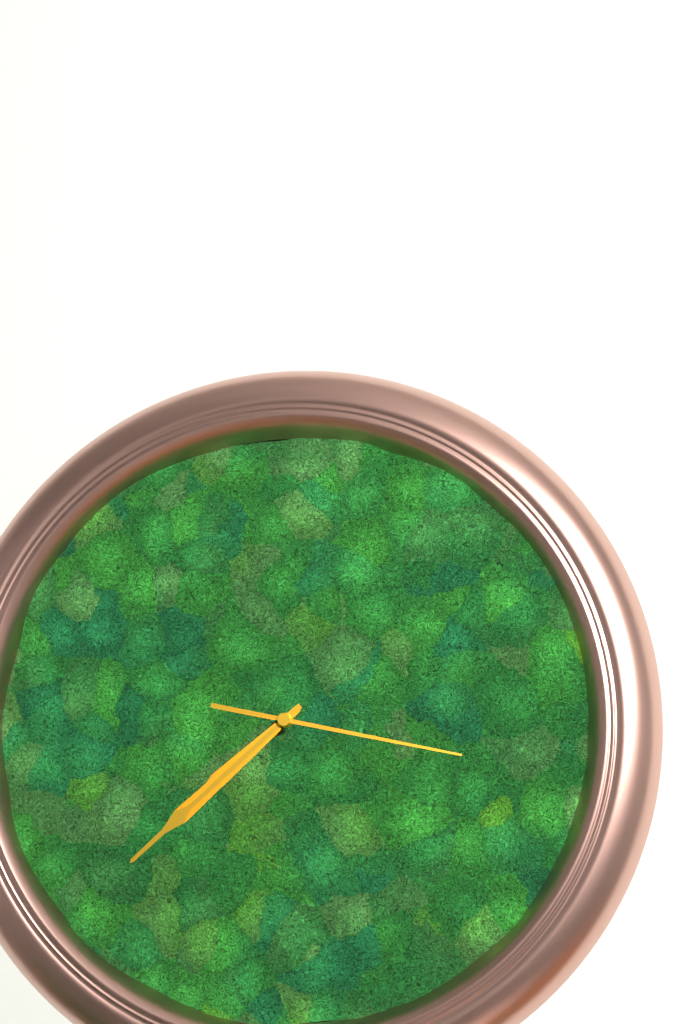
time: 7:38:17
